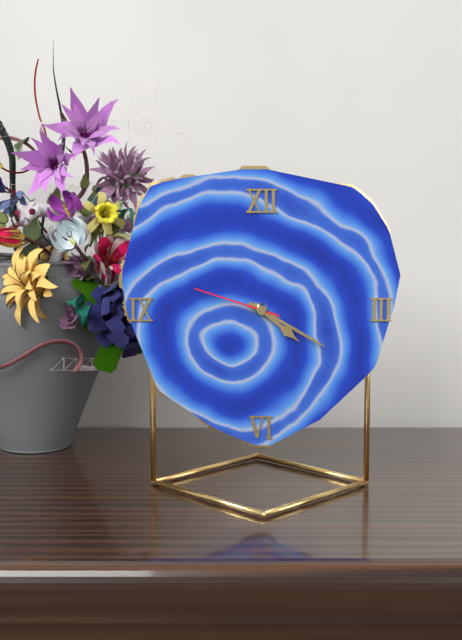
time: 4:20:48
